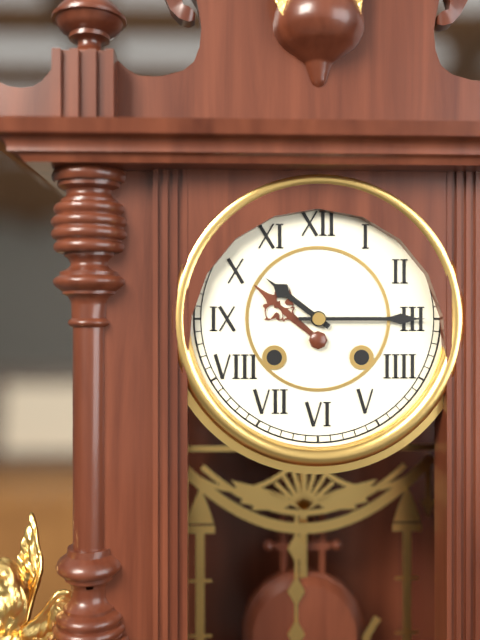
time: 10:15
